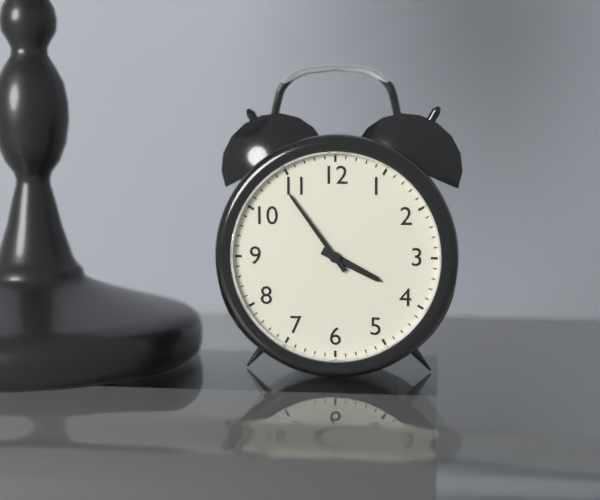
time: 3:54
